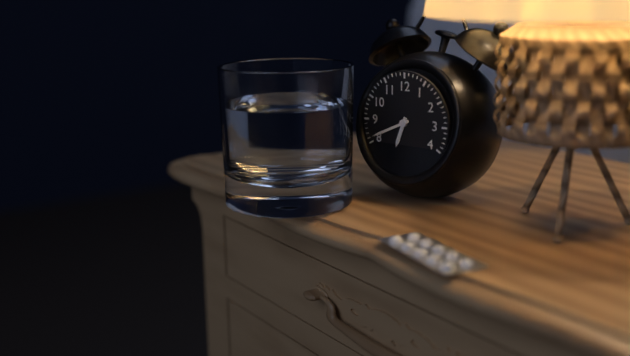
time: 6:41
